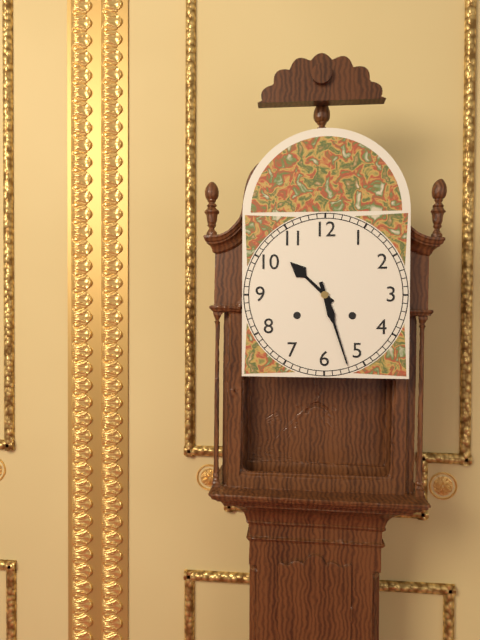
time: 10:27
